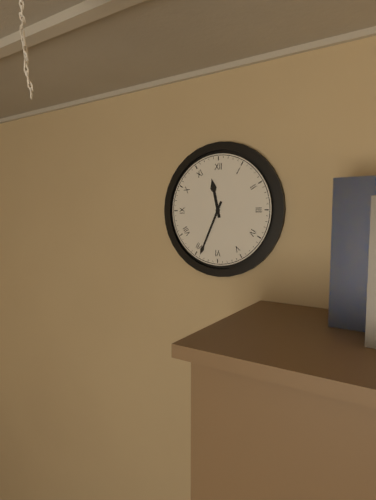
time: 11:34
